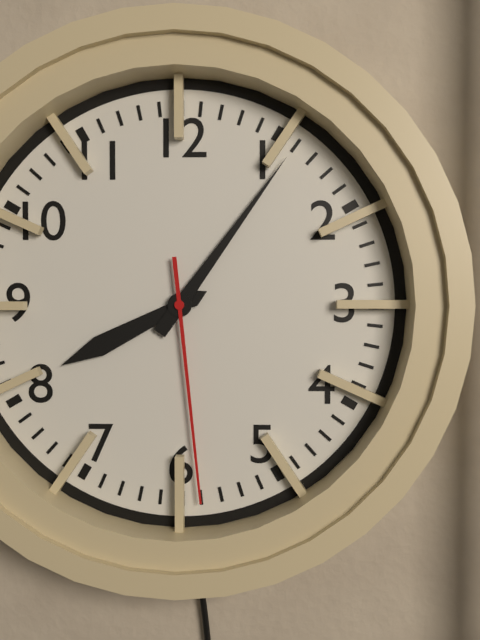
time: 8:06:29
